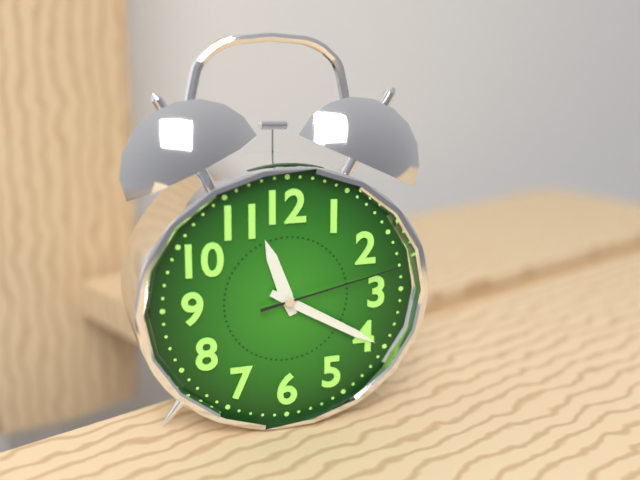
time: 11:20:13
